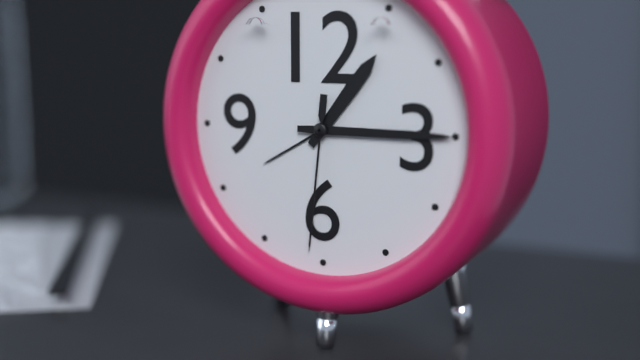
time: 1:15:31
